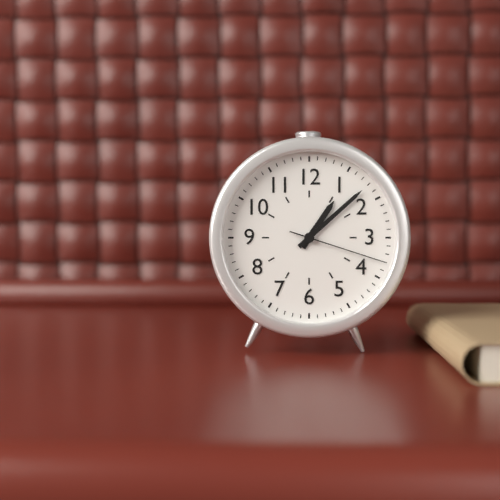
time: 1:08:18
